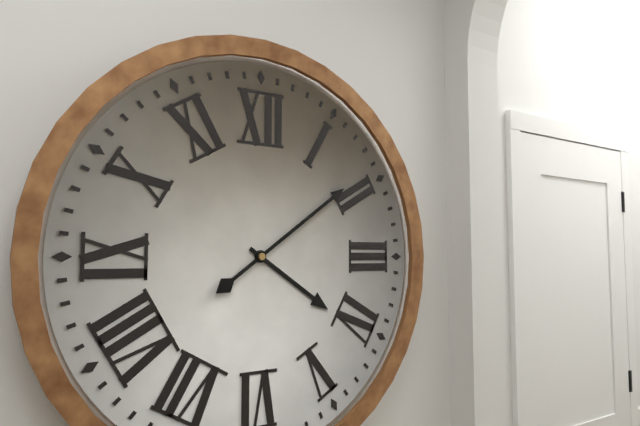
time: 4:09
